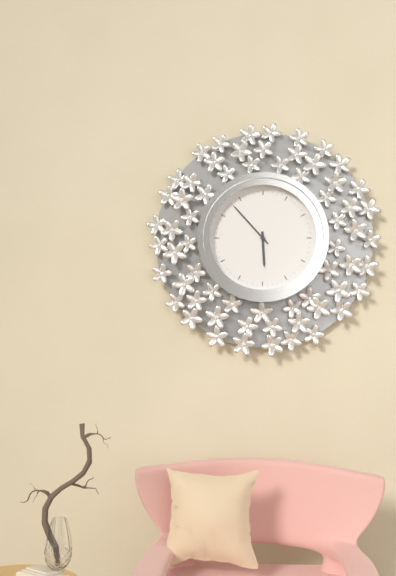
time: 5:53
